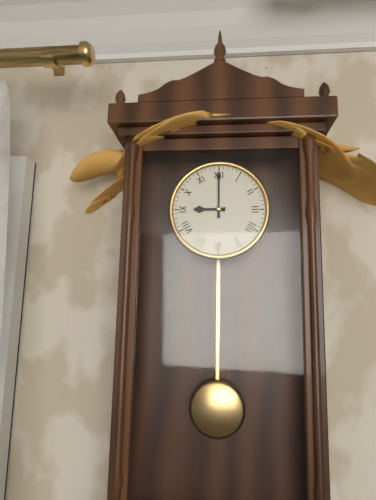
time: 9:00
